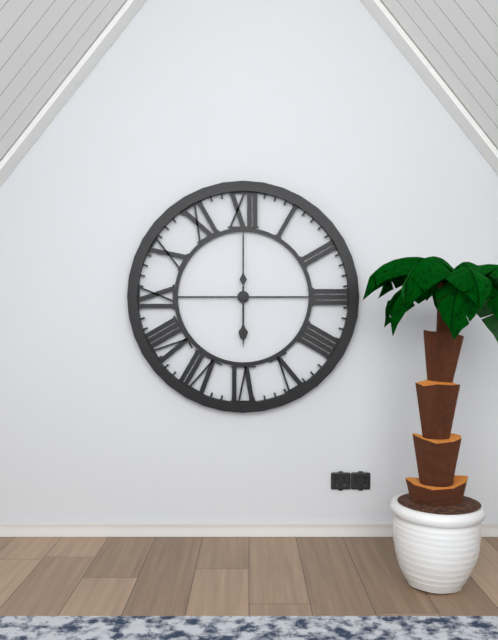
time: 6:00:00
